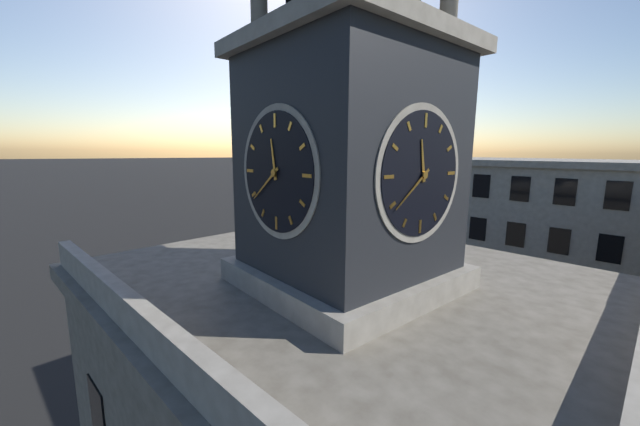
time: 11:39
